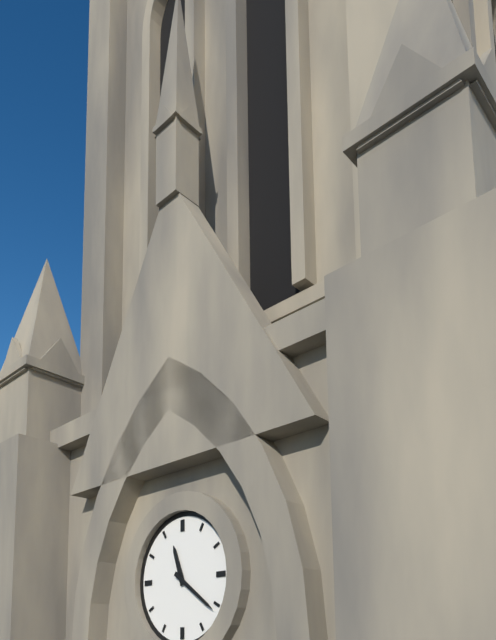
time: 11:21
